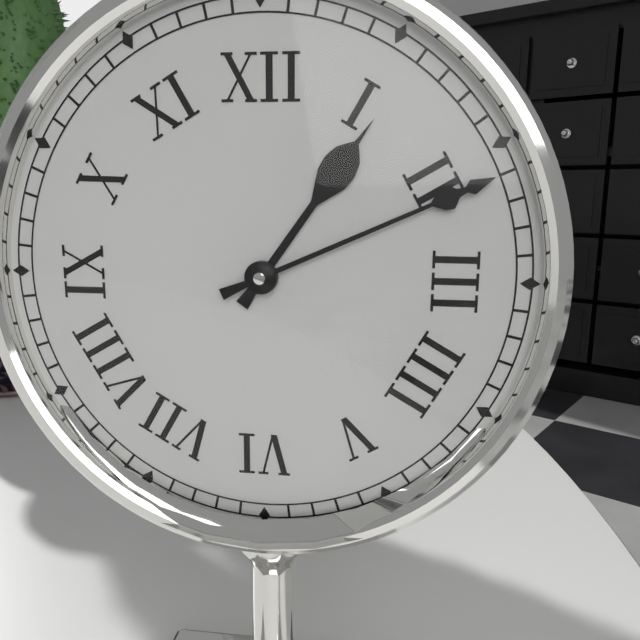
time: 1:11
